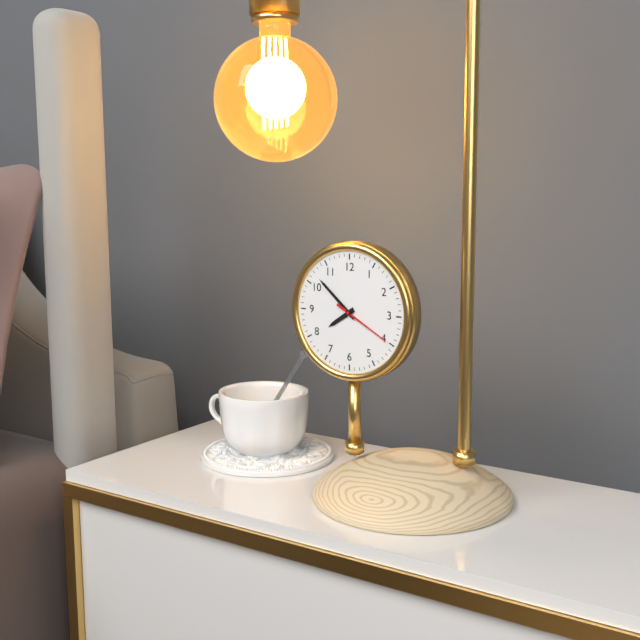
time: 7:52:20
